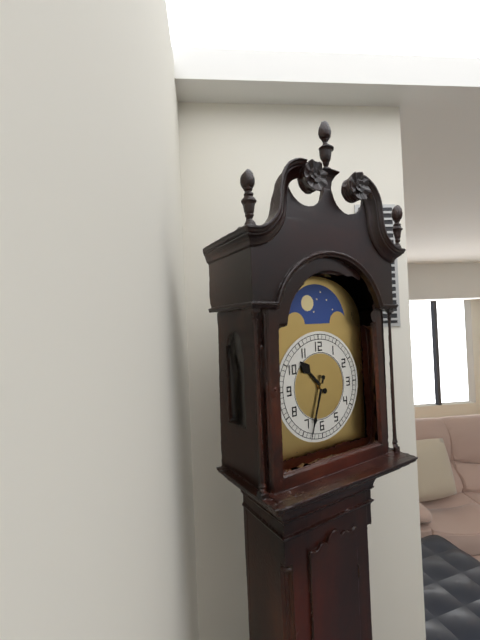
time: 10:33
